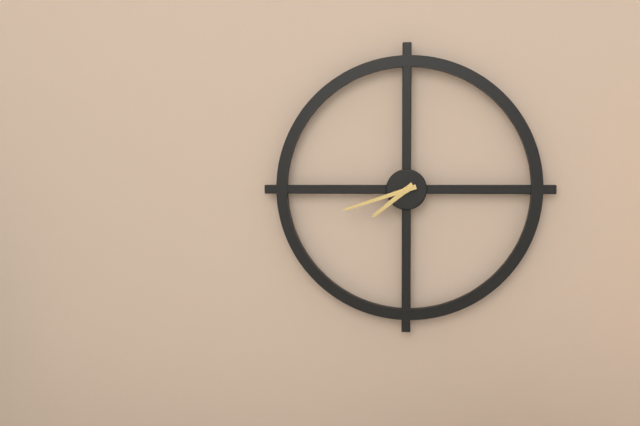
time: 7:42
